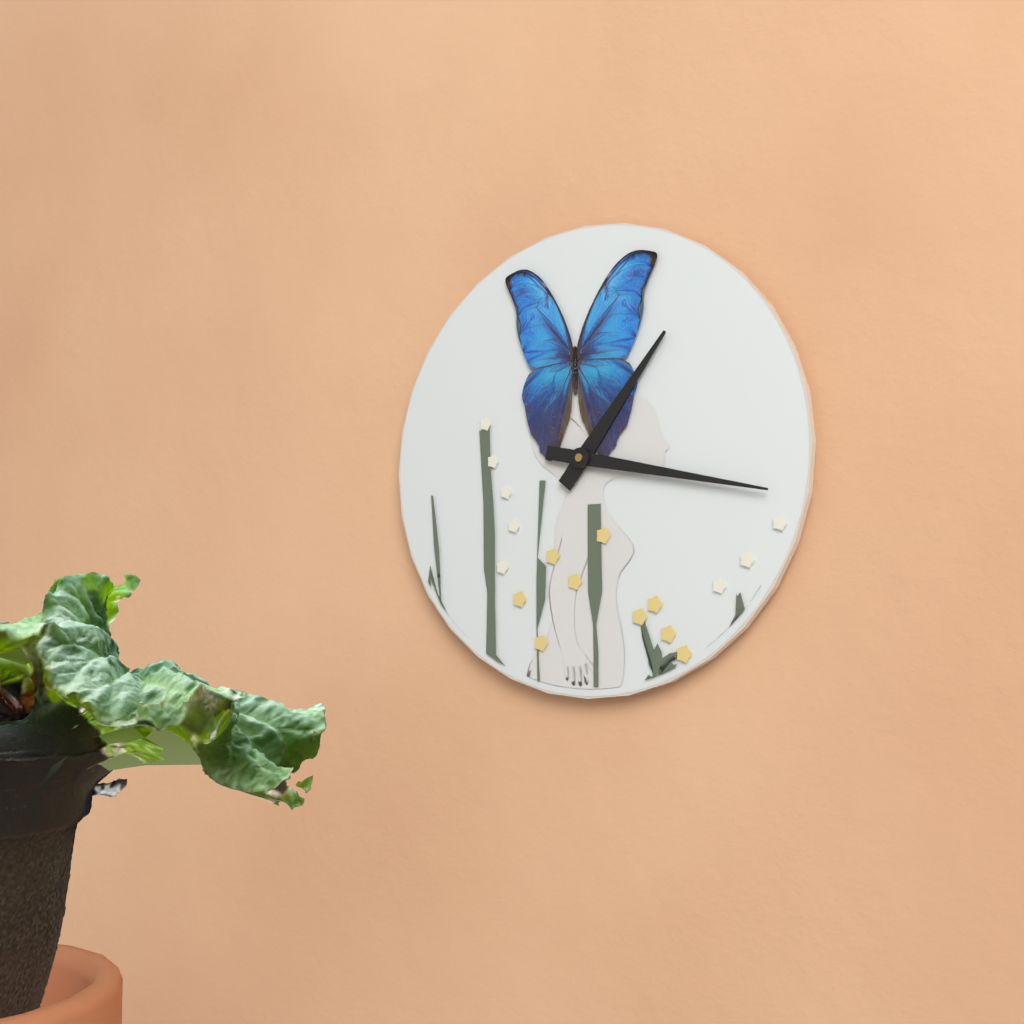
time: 1:17
